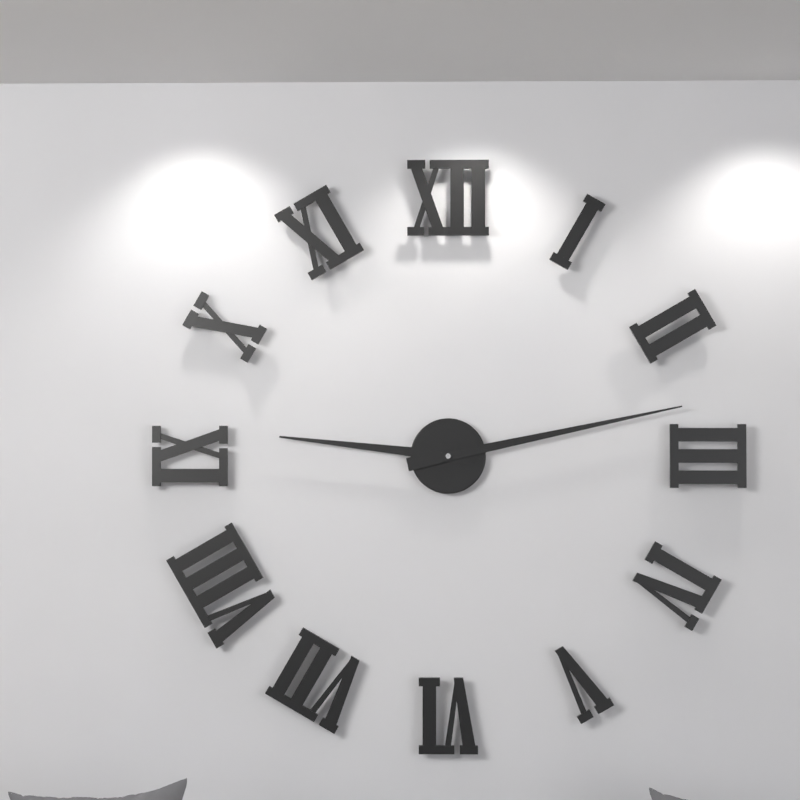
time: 9:13
